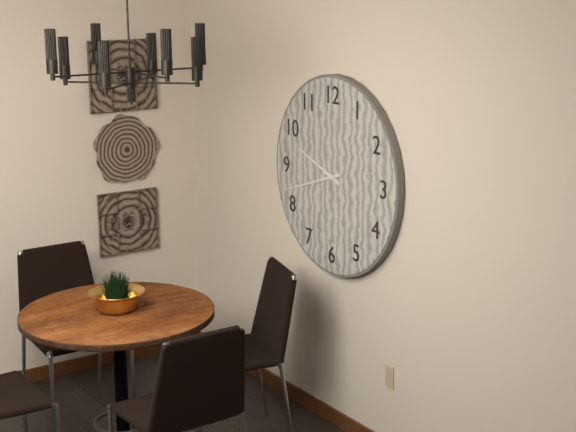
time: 9:42
